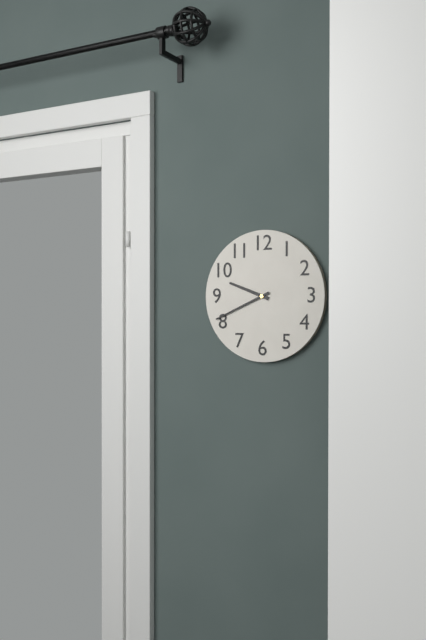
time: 9:41
